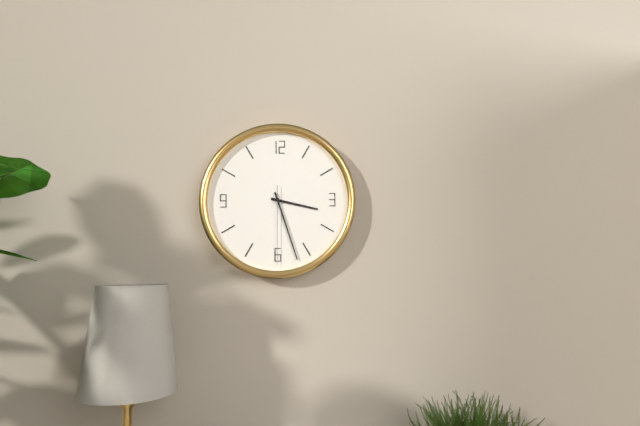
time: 3:27:30
